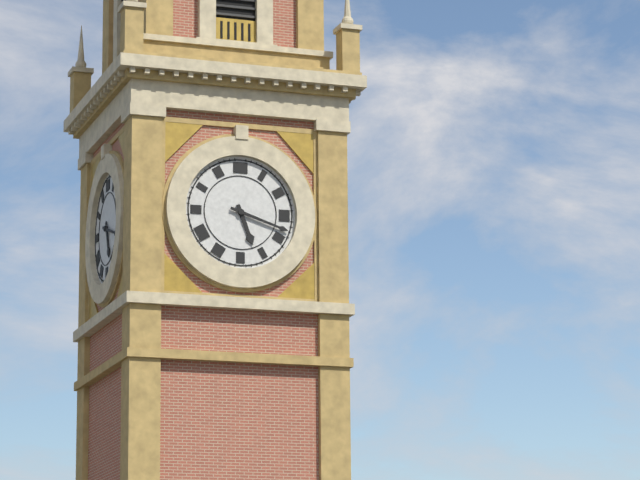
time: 5:18
